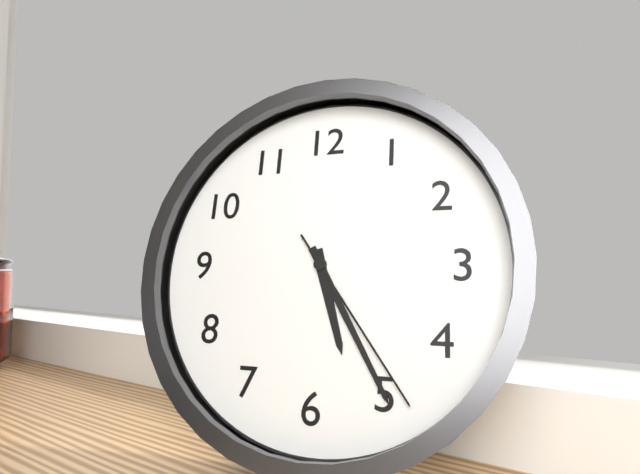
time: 5:25:24
